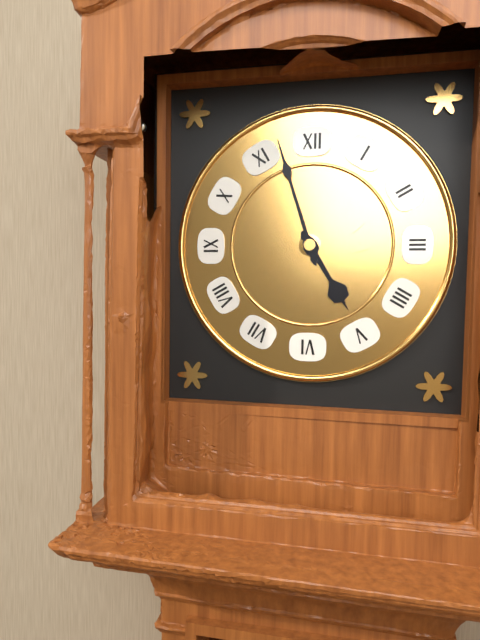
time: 4:57
